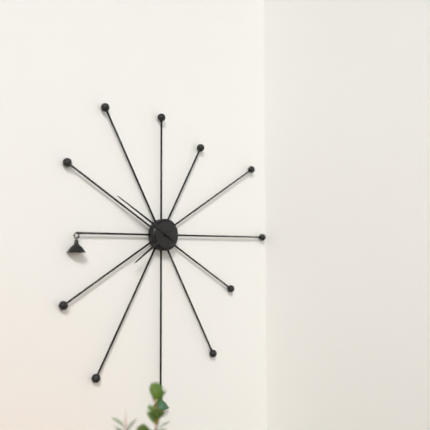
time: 7:50
